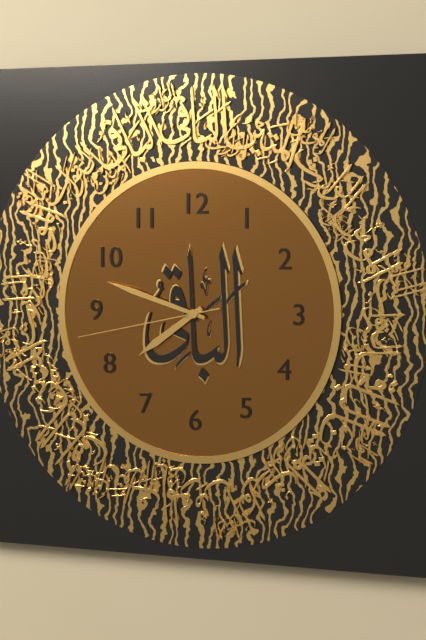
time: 7:48:43
